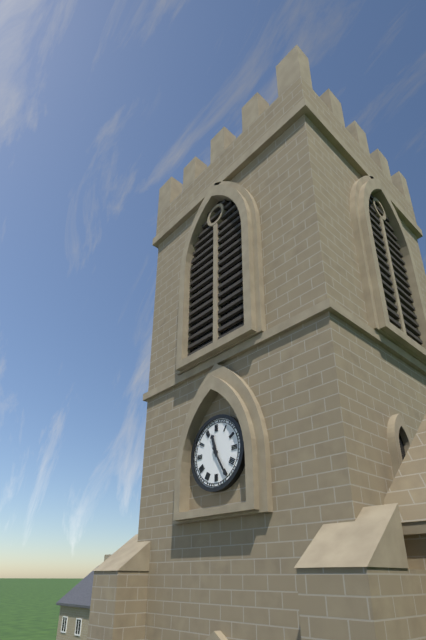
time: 11:25
